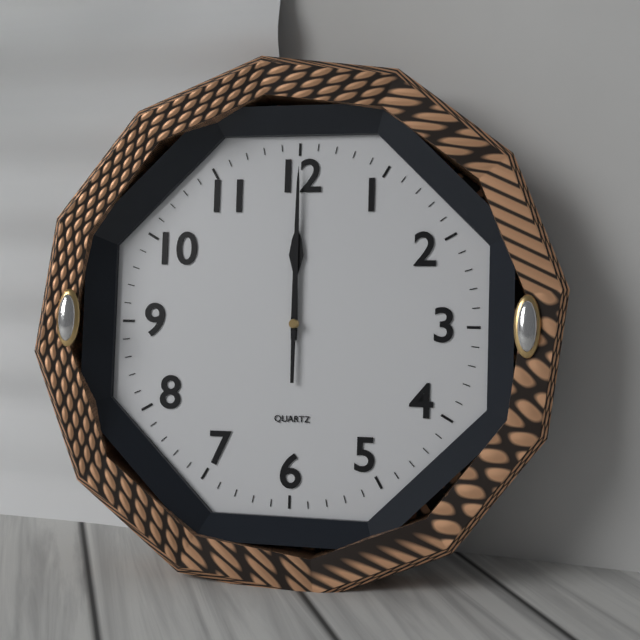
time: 12:00
